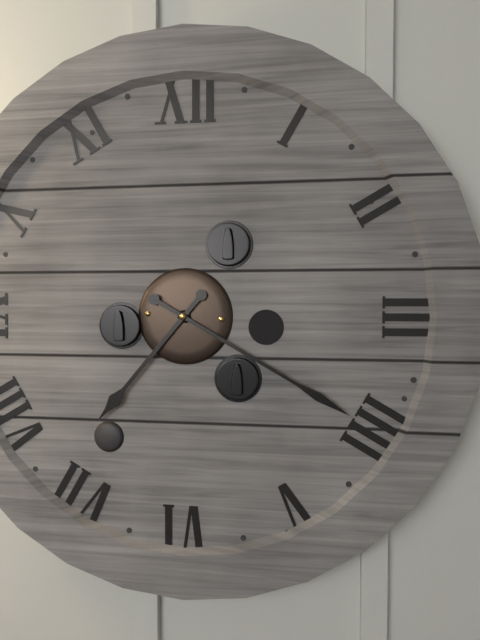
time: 7:20
